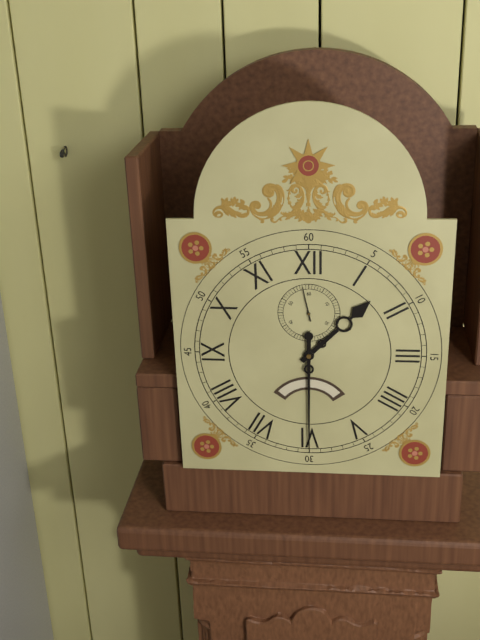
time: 1:30
